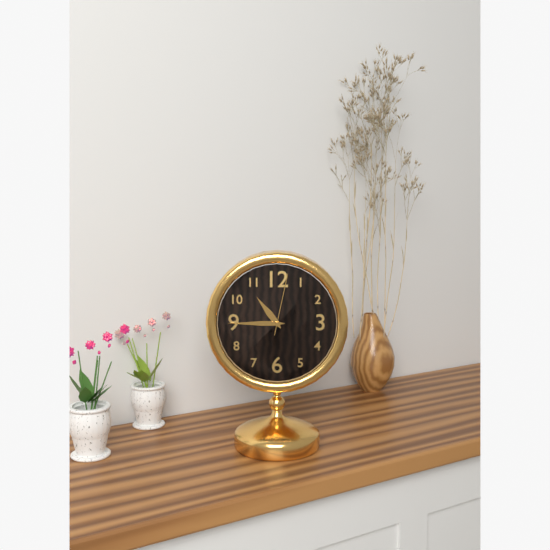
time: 10:45:02
